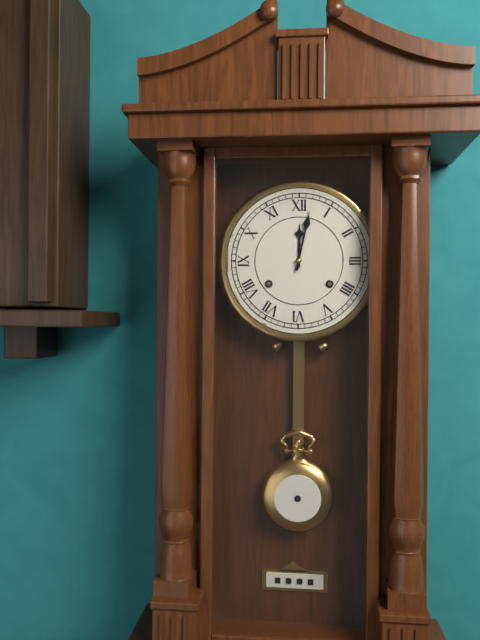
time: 12:02
